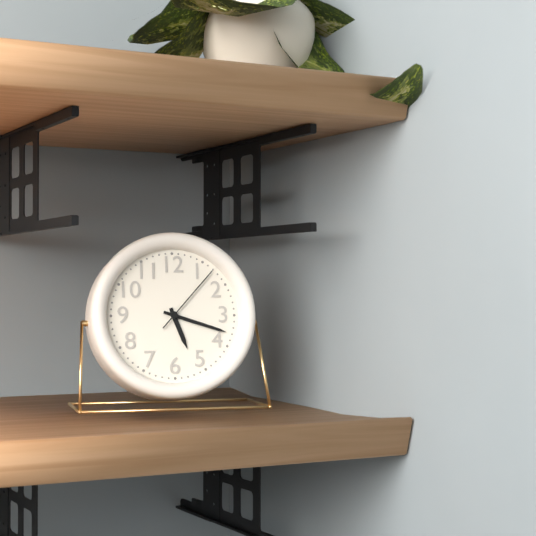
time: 5:18:07
